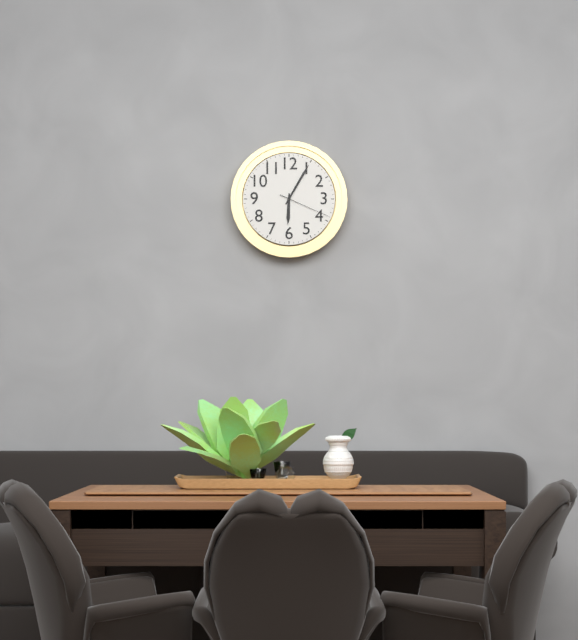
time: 6:05:19
